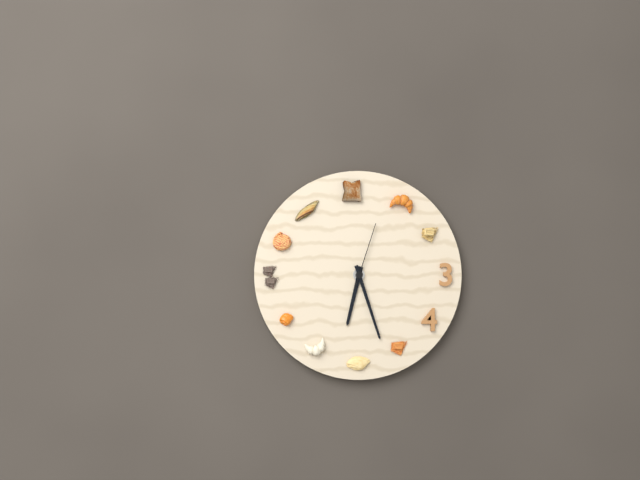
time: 6:27:03
